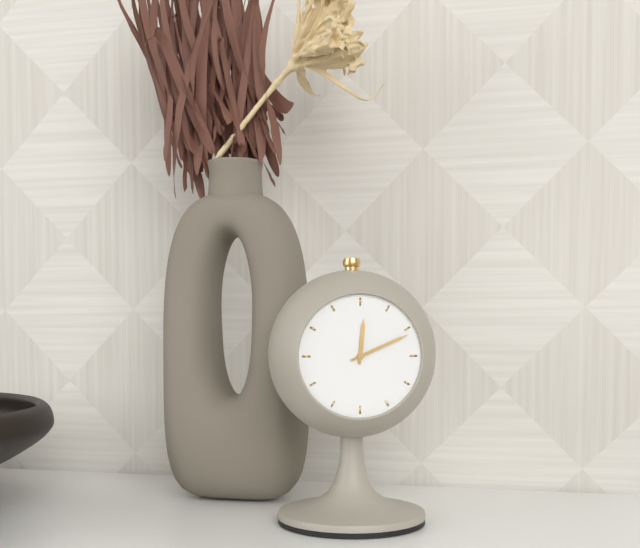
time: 12:11
